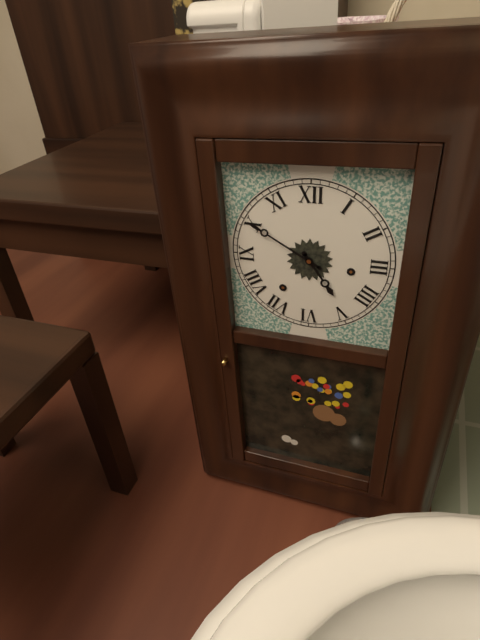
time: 4:50
